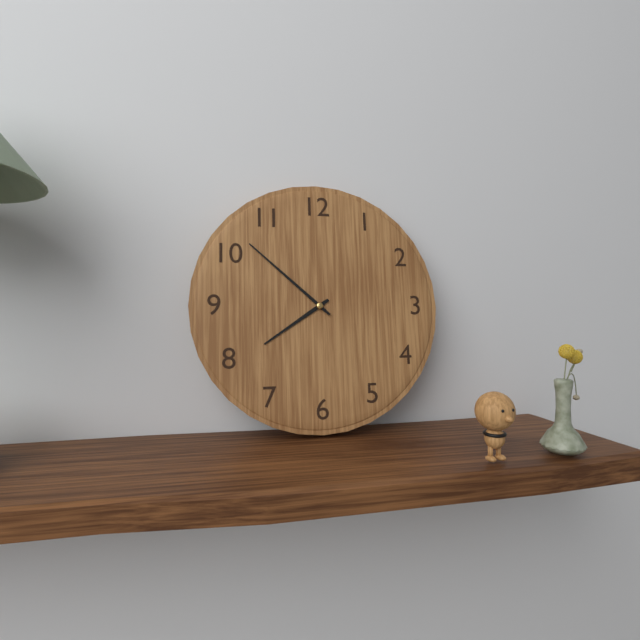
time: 7:52
